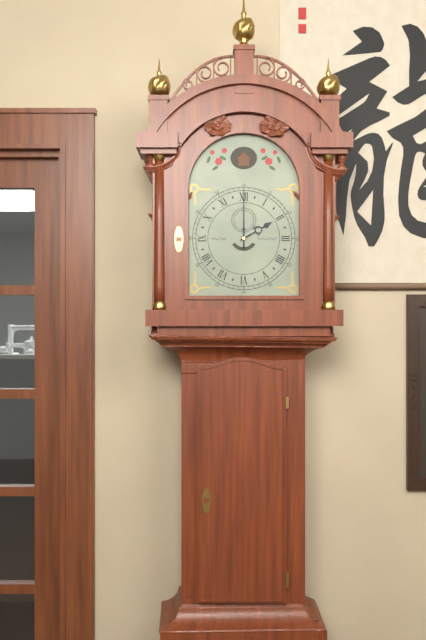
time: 2:00
